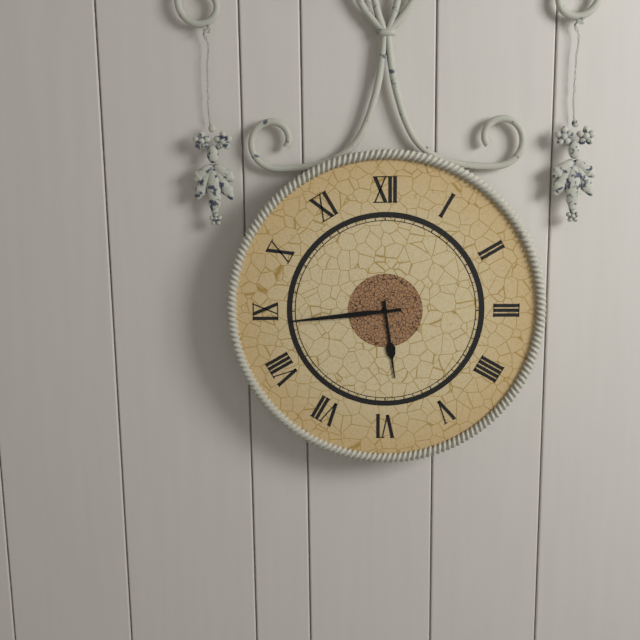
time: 5:44
